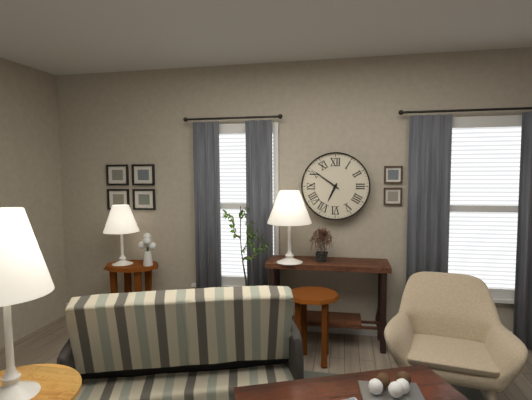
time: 6:51
